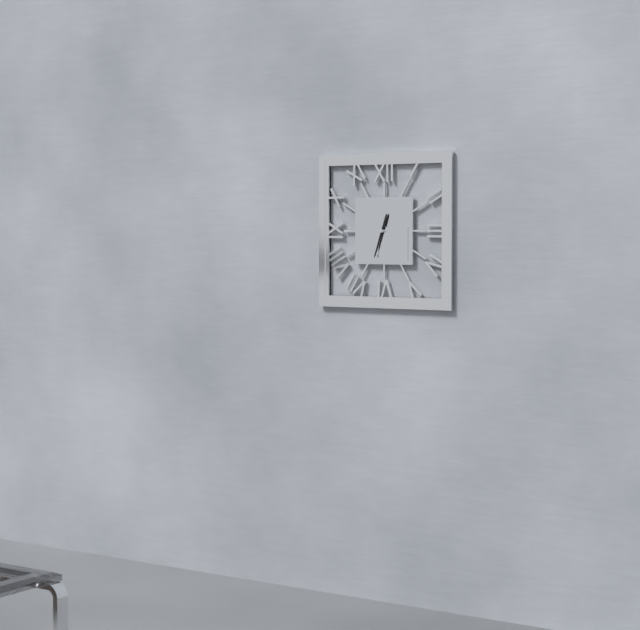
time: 12:33
